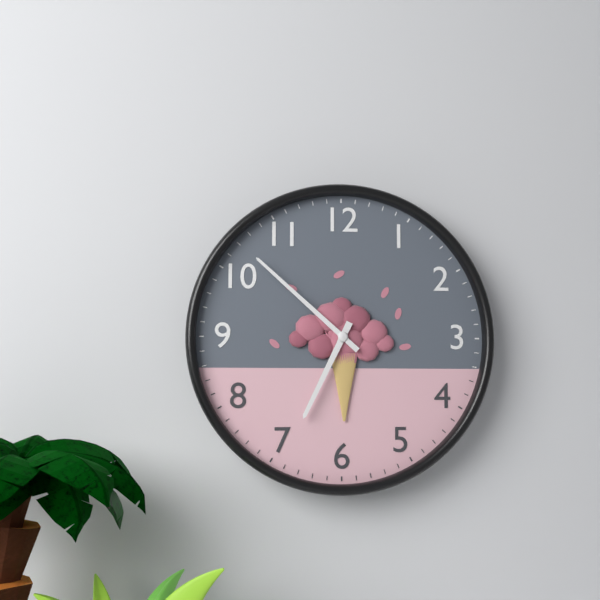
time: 6:52
